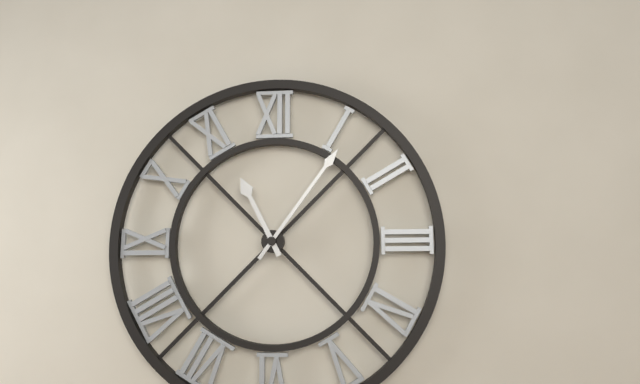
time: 11:06
